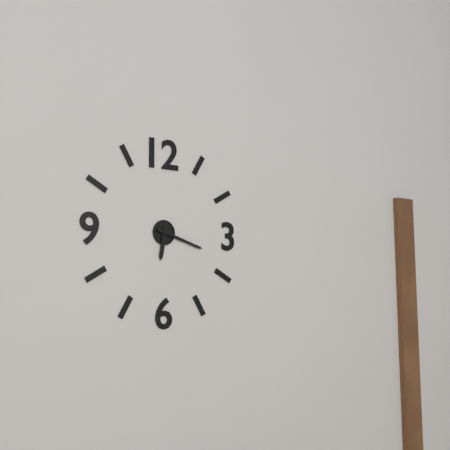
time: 6:18
